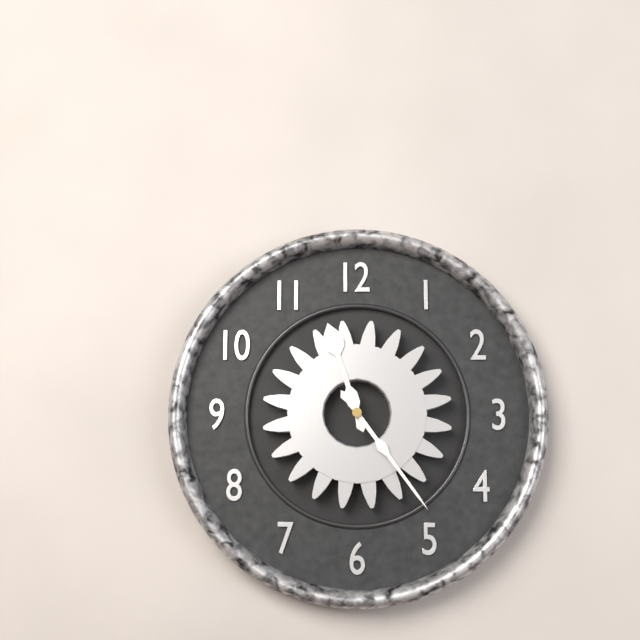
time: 11:24
